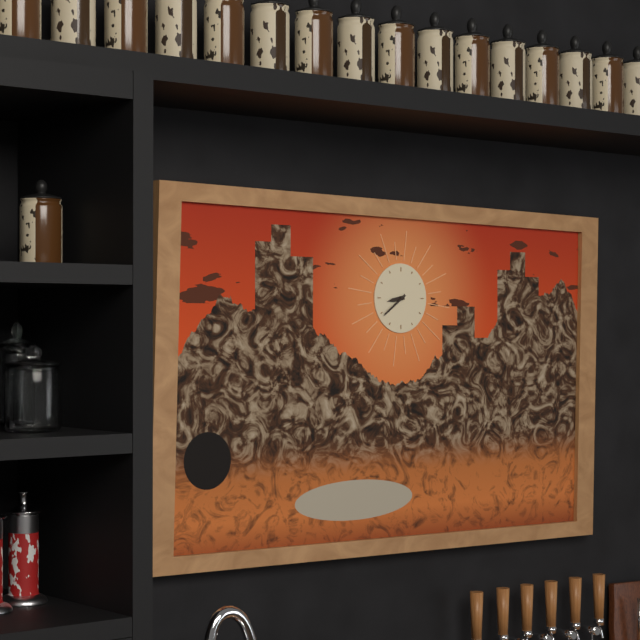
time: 8:39
